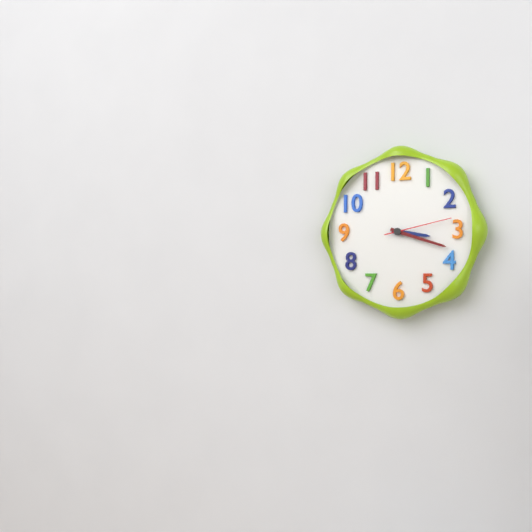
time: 3:18:13
